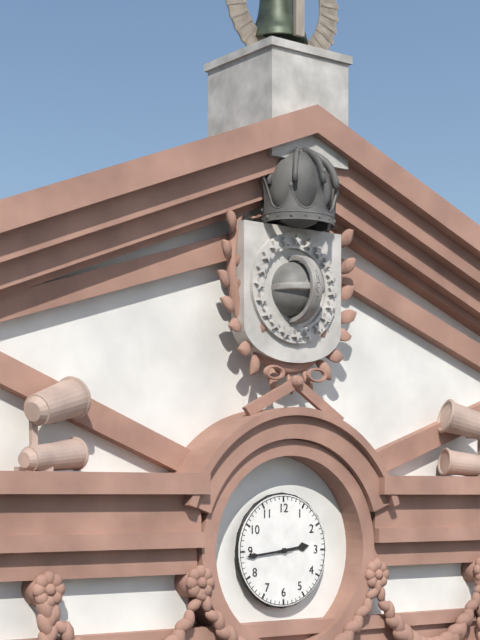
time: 2:44
